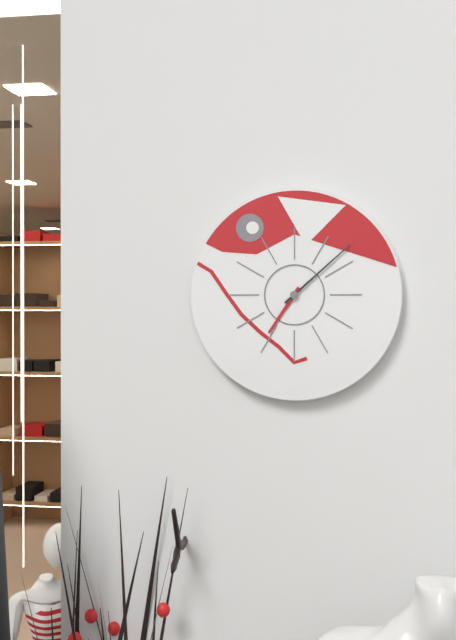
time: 7:08
